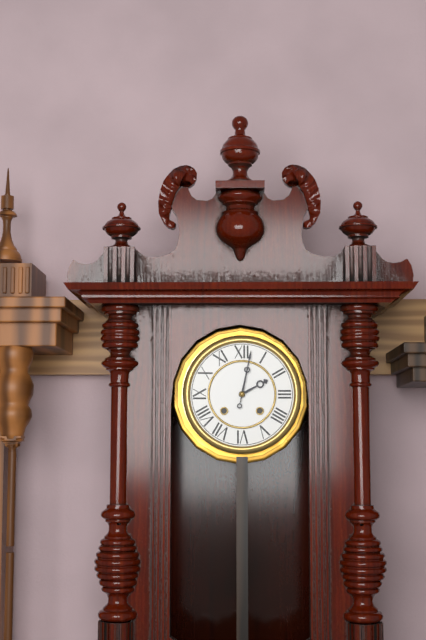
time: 2:02
